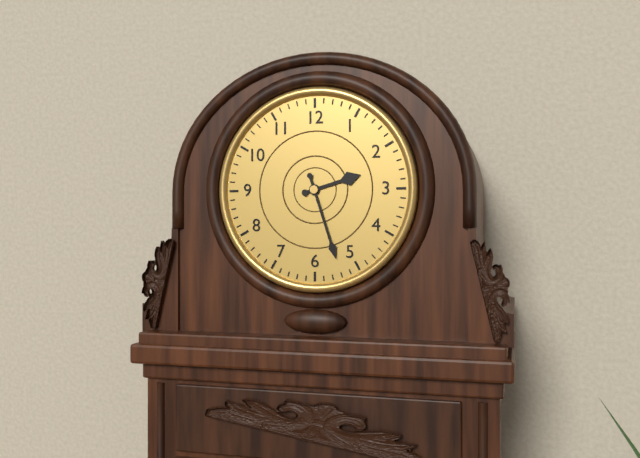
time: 2:27
